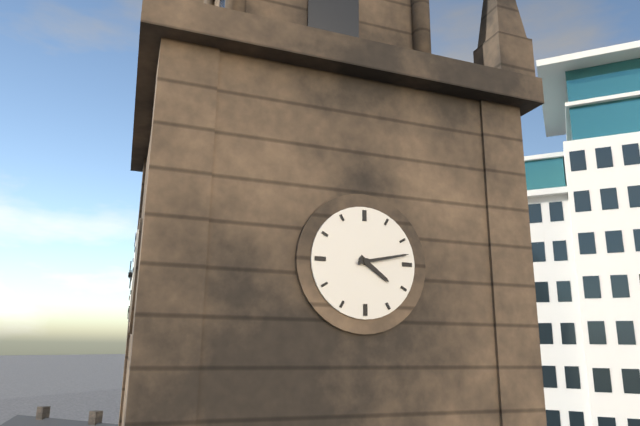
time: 4:13
